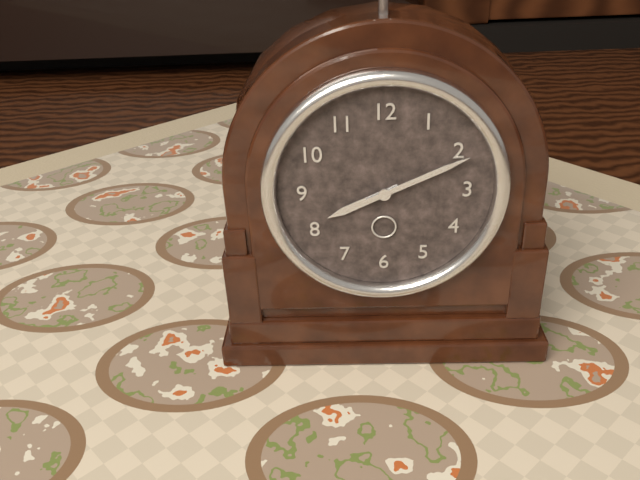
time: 8:11
